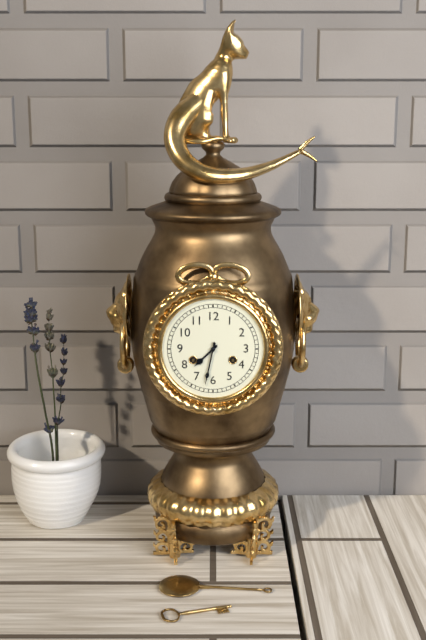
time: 7:32
